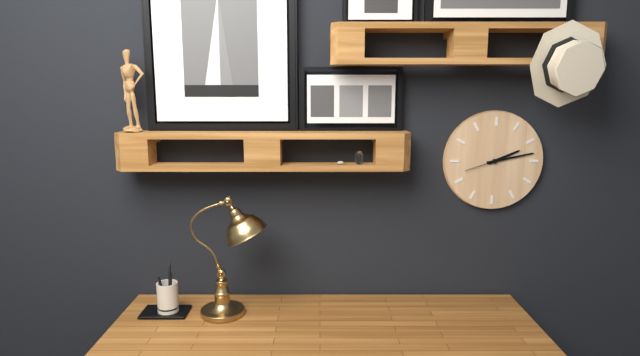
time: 2:13
